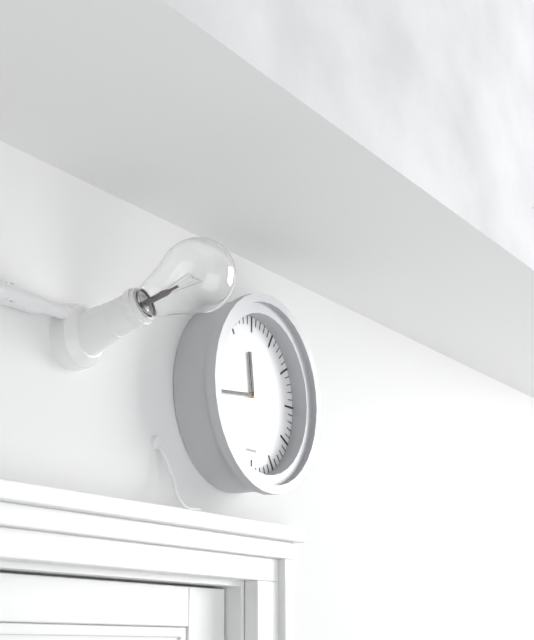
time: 11:44
